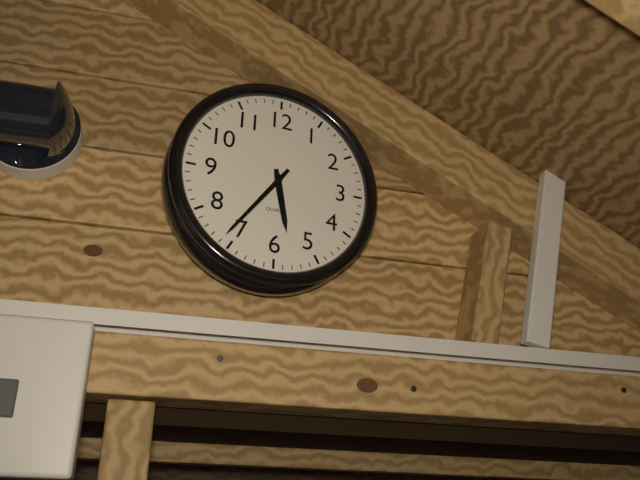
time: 5:36
